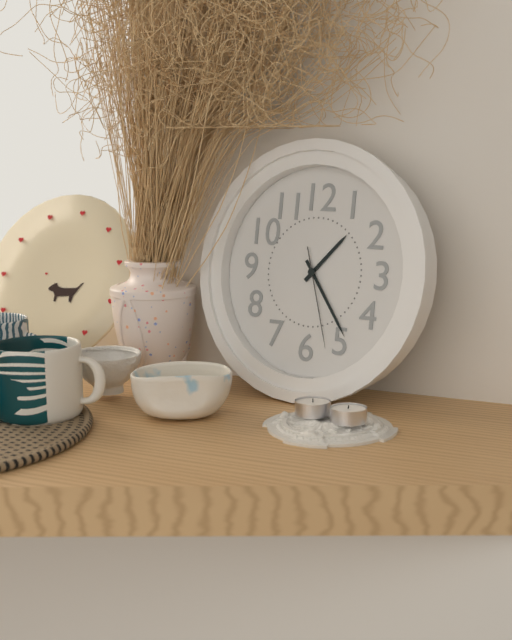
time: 1:24:27
